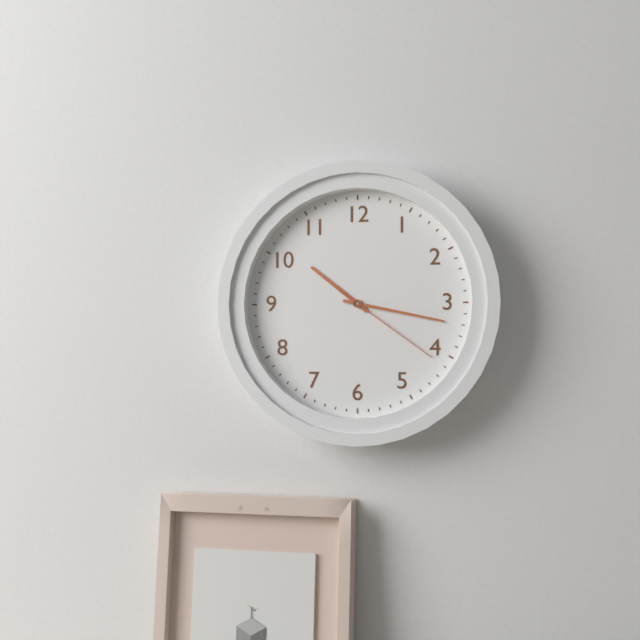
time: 10:17:21
